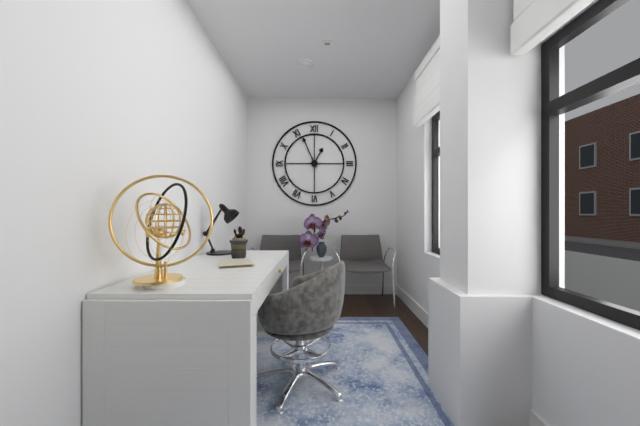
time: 12:56
